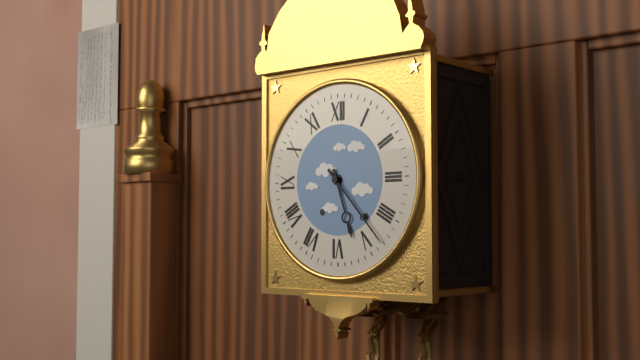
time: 5:23
